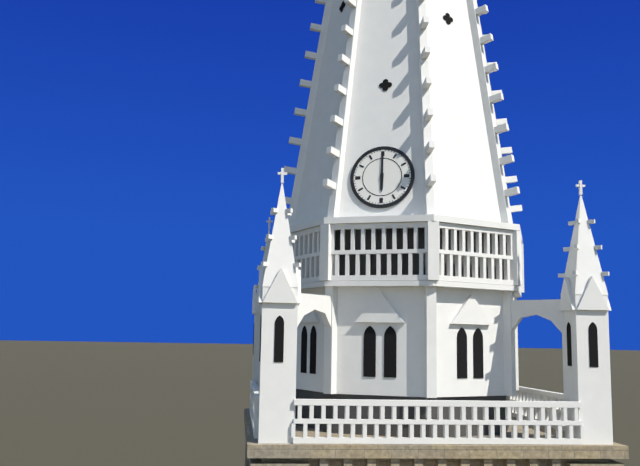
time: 6:00
